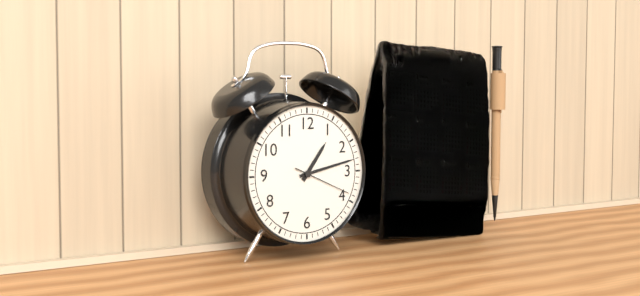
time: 1:13:19
